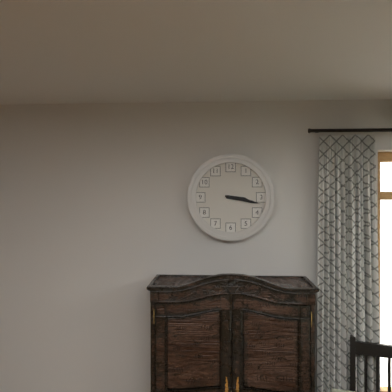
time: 3:17
